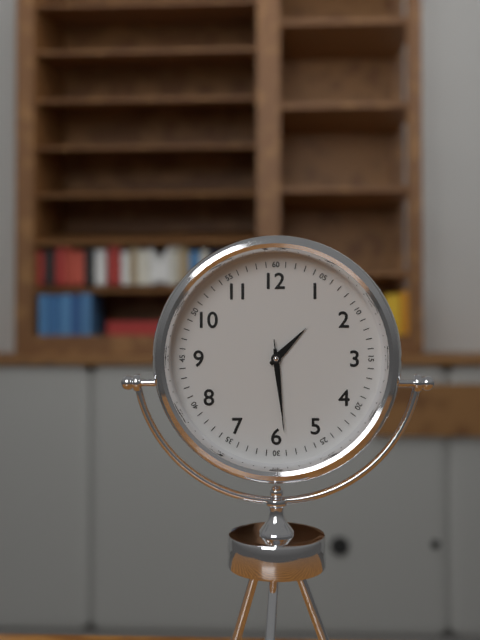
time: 1:29:29
